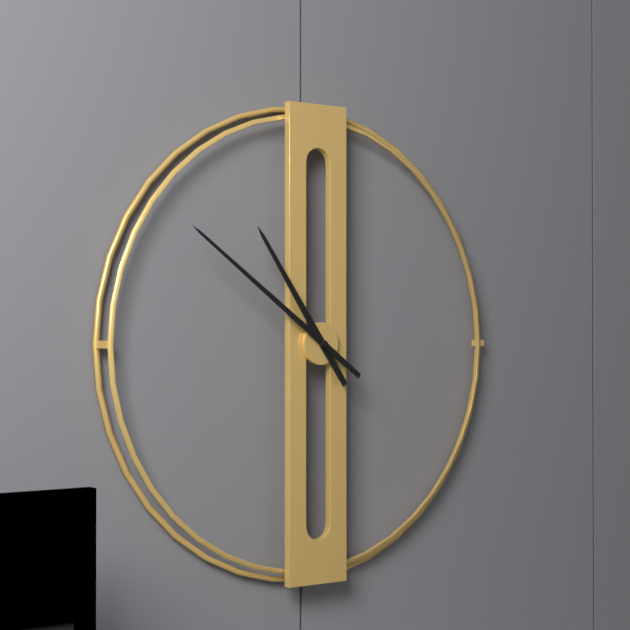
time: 10:51
